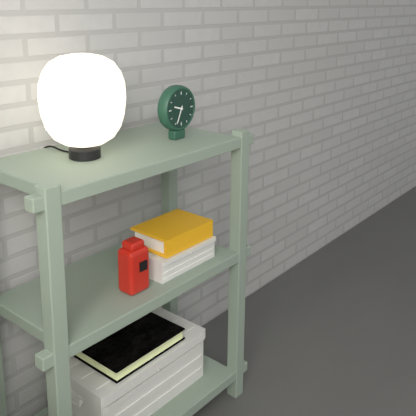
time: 9:34
